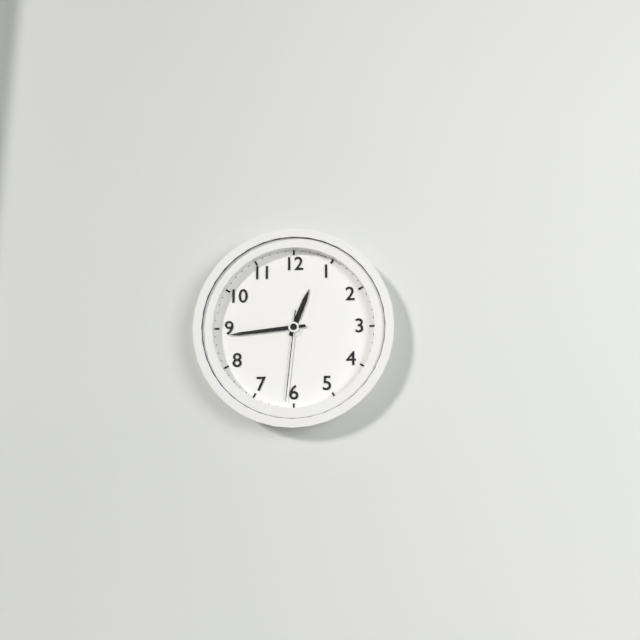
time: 12:44:31
